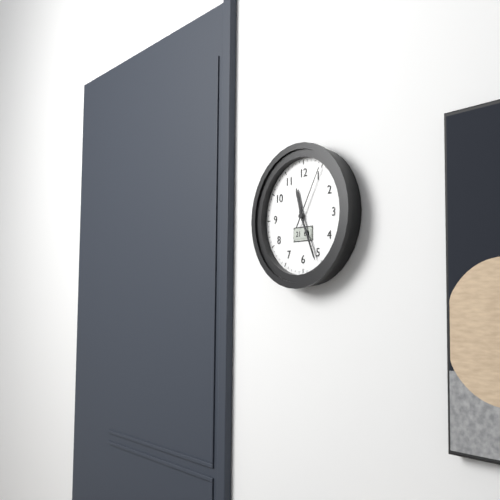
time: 11:26:05
